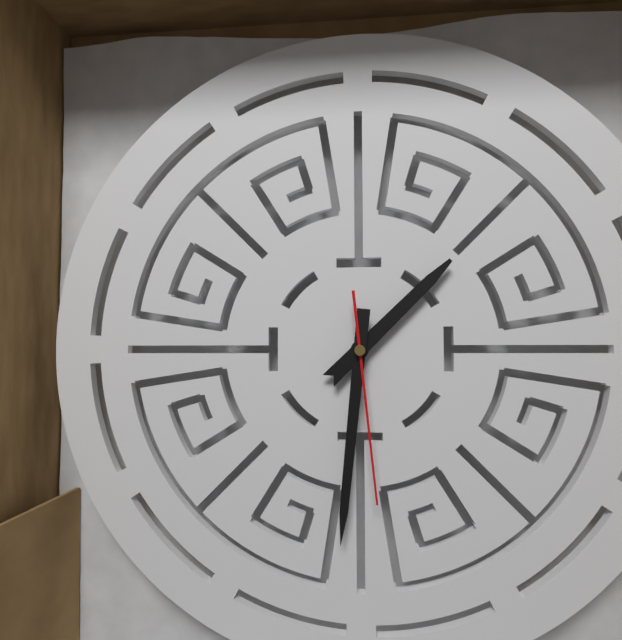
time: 1:31:29
